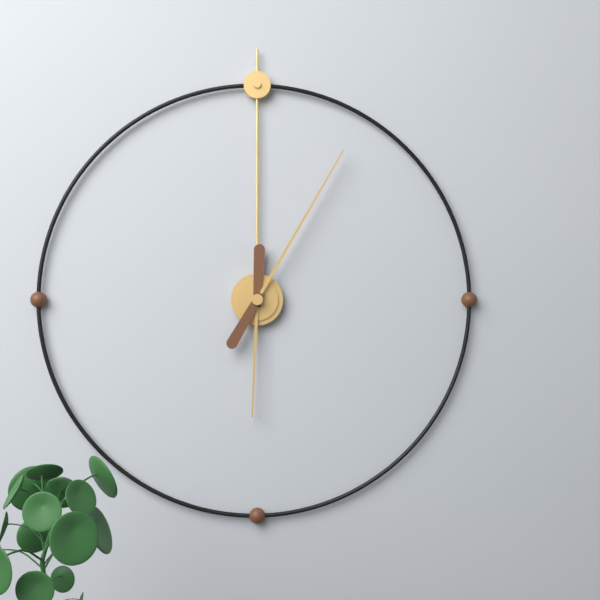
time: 6:05
